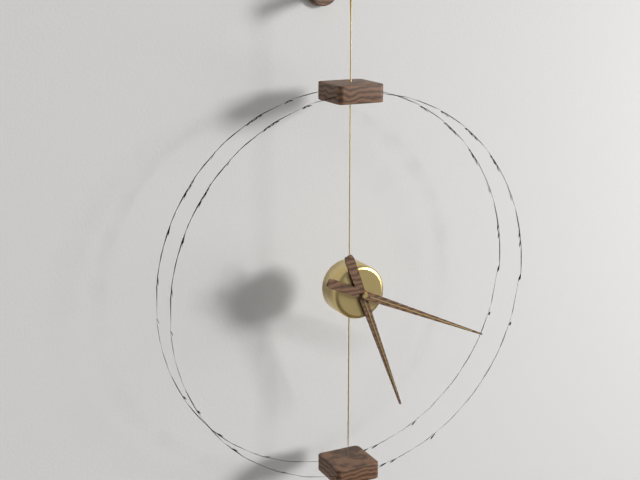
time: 5:19
